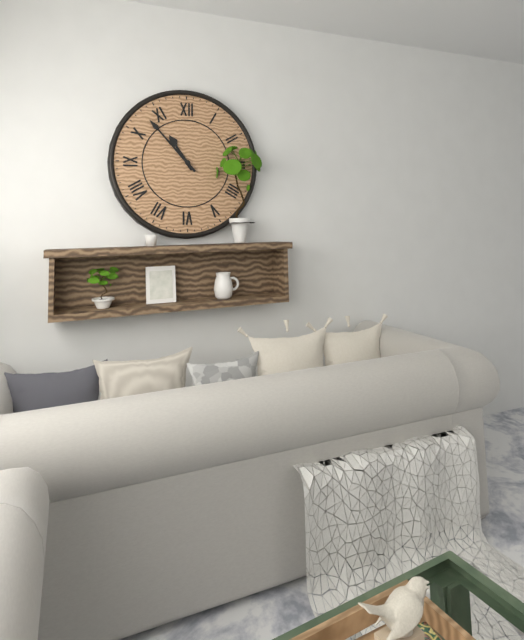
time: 10:53
